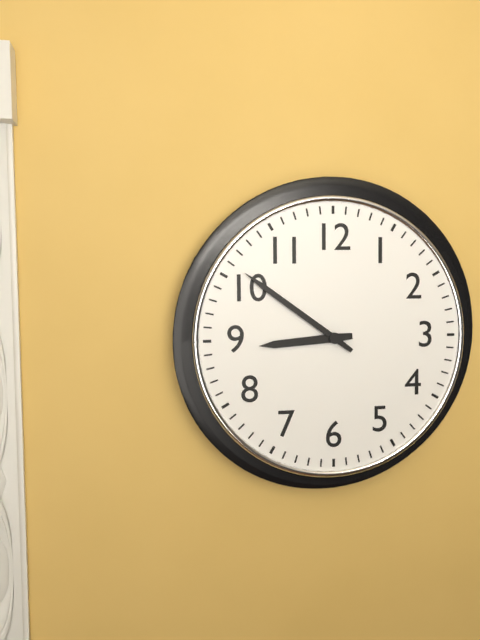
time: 8:51
